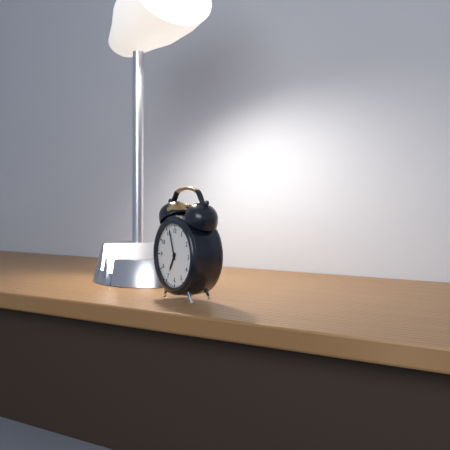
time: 6:57
